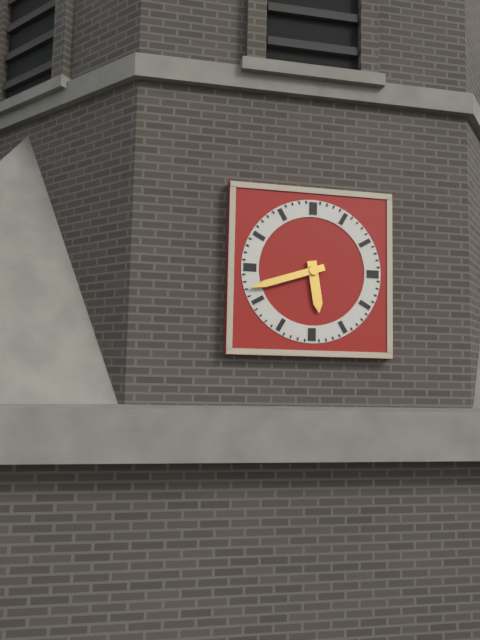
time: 5:42
